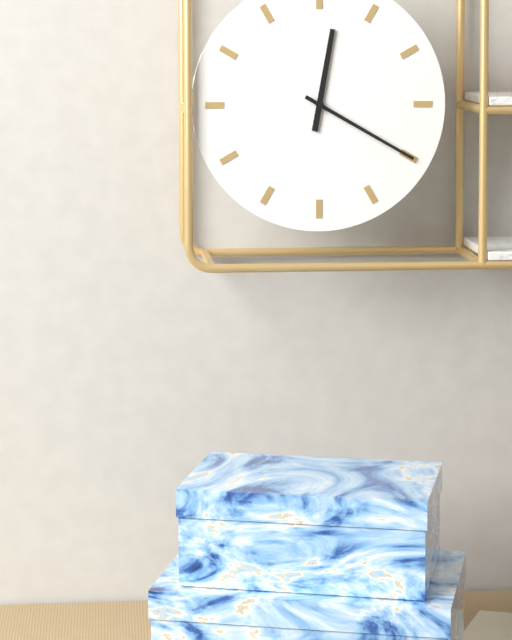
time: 12:20
